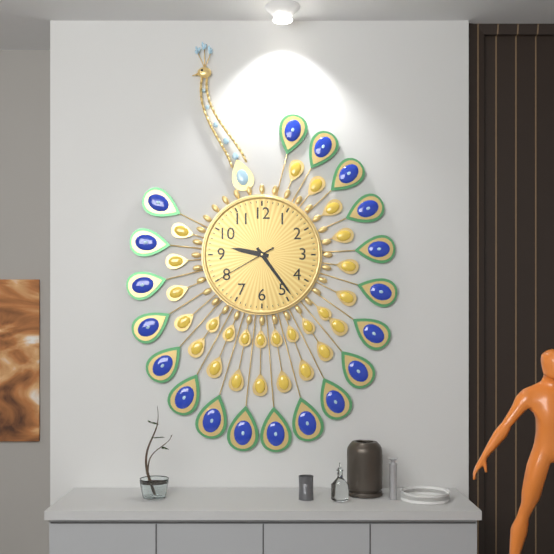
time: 9:24:40
